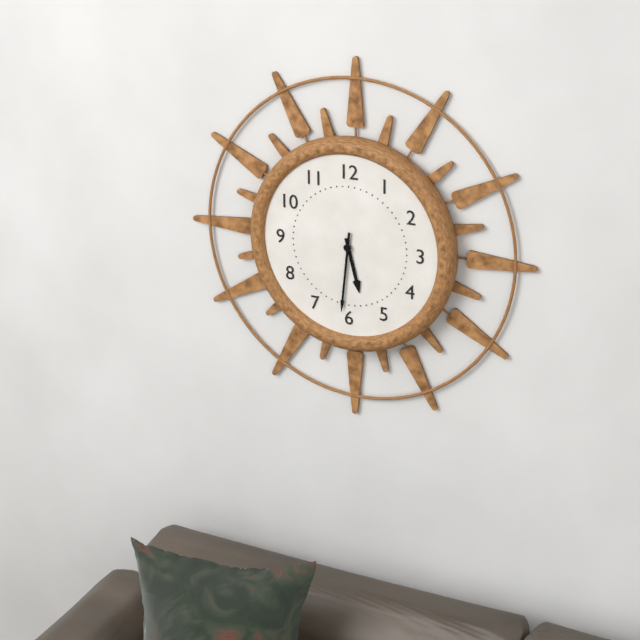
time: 5:31
